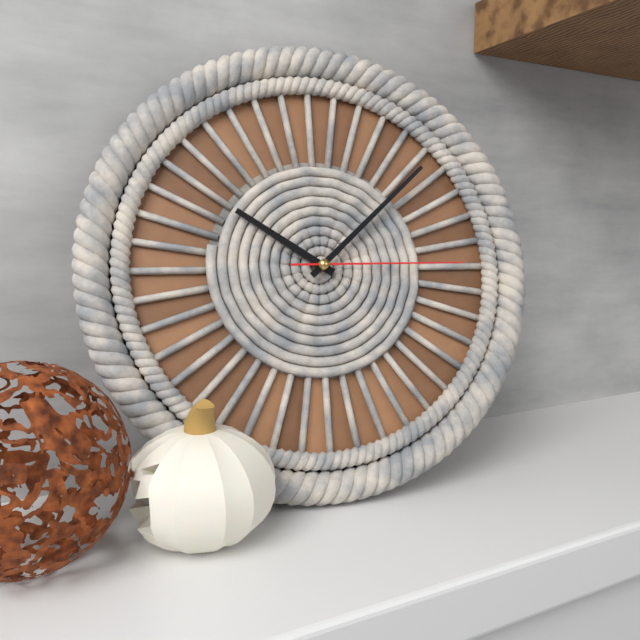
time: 10:08:15
